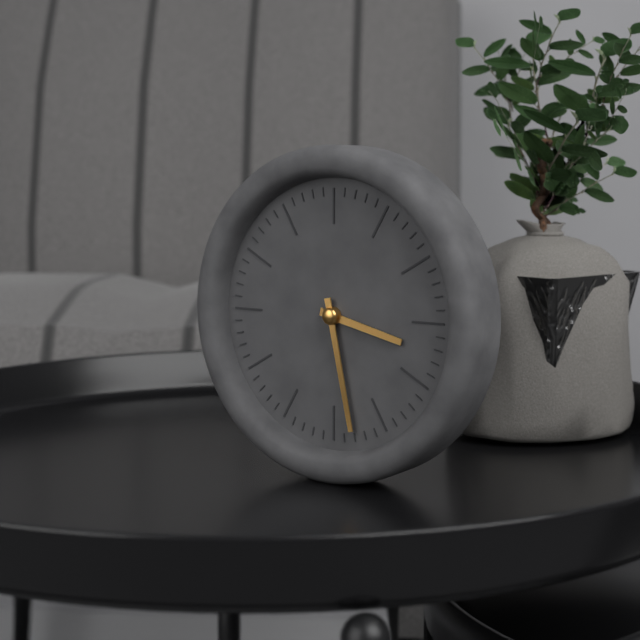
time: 3:28
